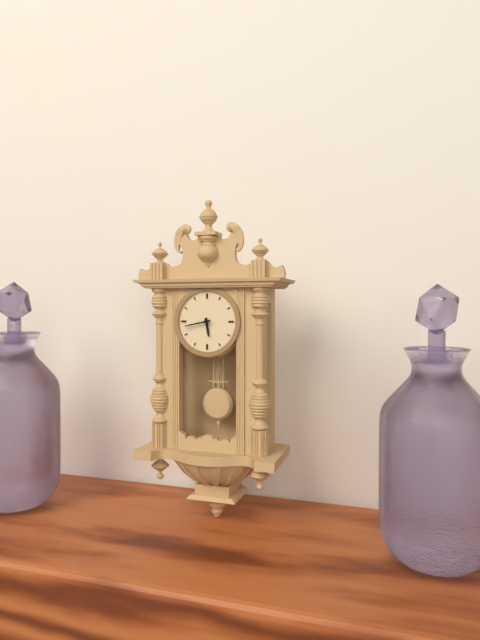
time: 5:43
